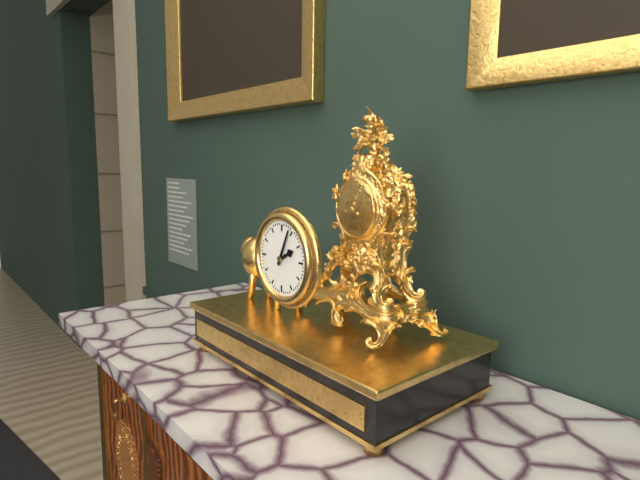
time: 2:04
